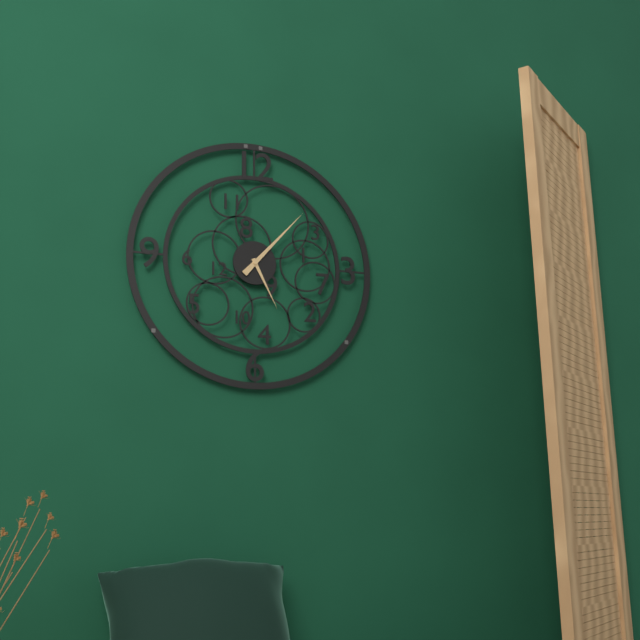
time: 5:07
